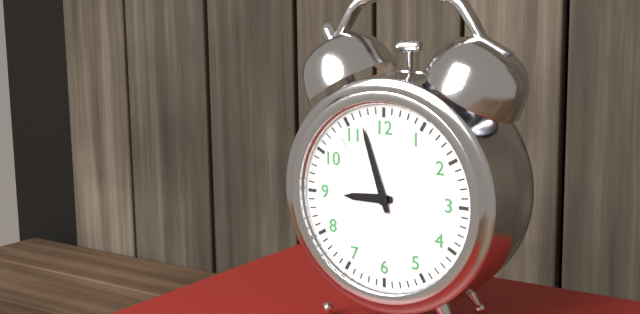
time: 8:57
